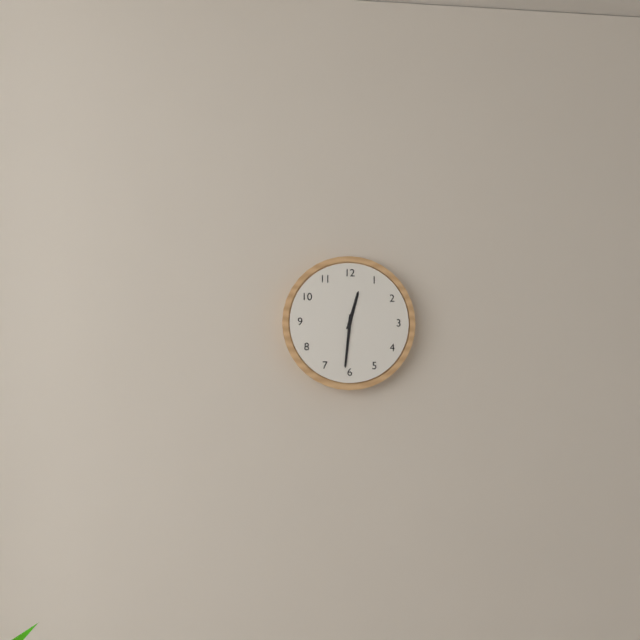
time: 12:31
